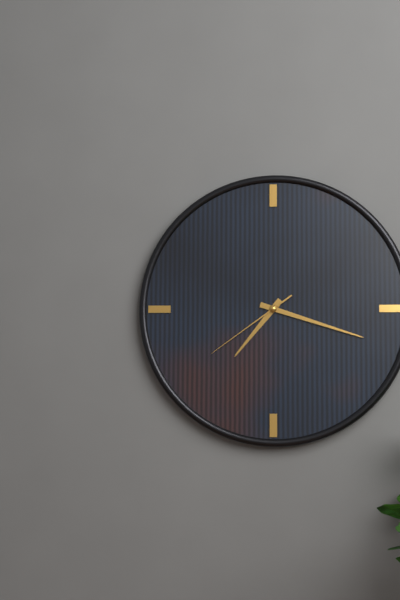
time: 7:18:39
